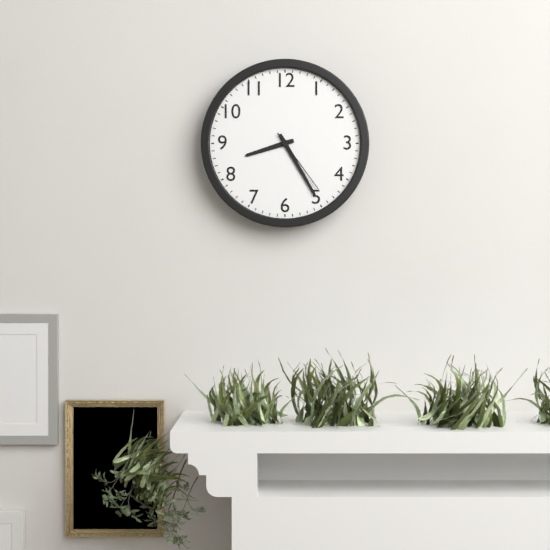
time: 8:25:24
